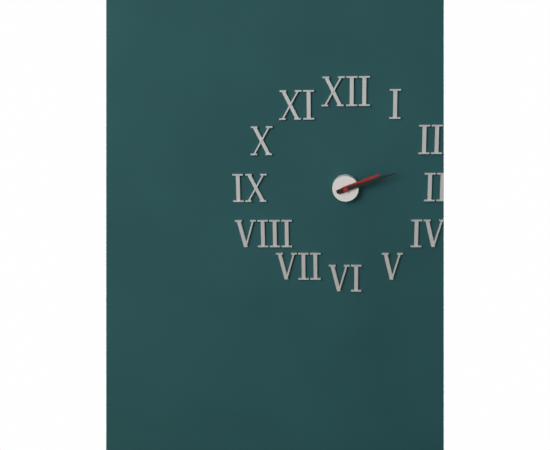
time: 2:12
